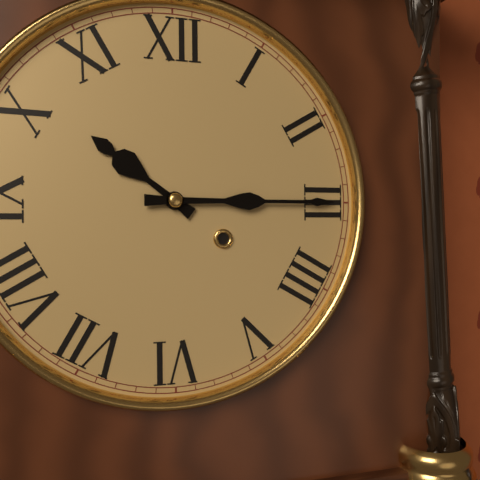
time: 10:15
